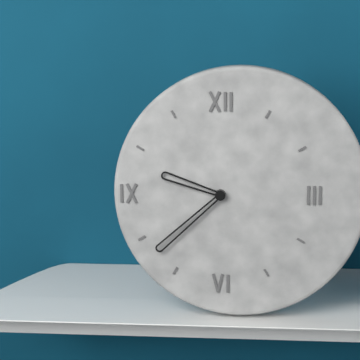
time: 9:38
